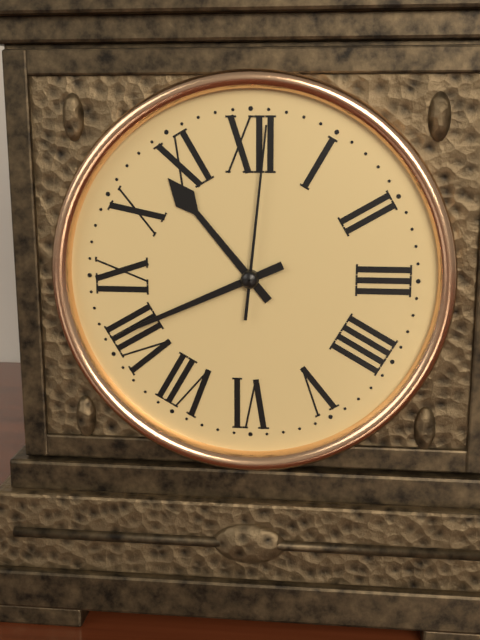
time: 10:41:01
